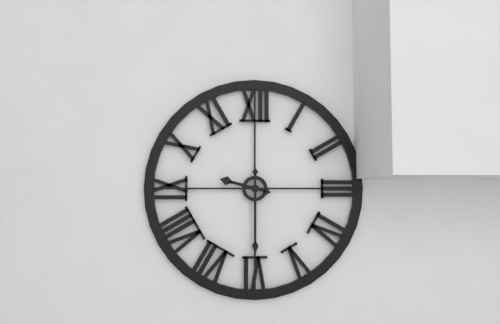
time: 9:30
